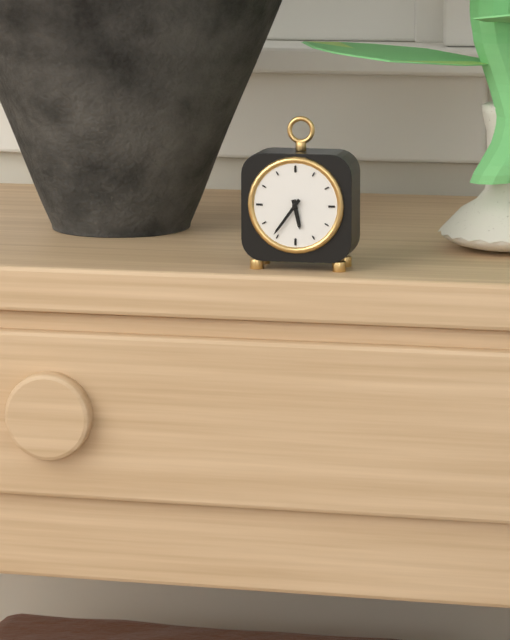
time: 5:36
